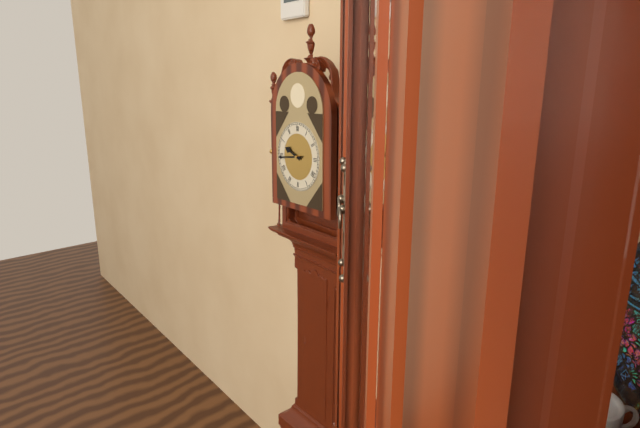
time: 9:44
